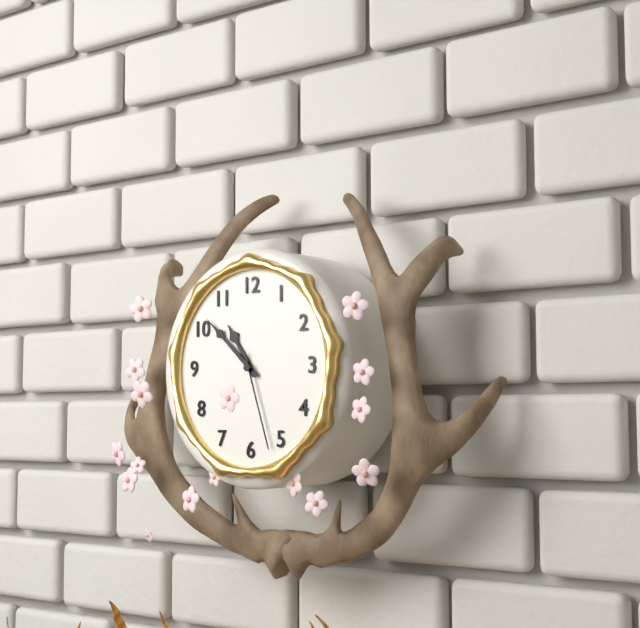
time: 10:52:27
